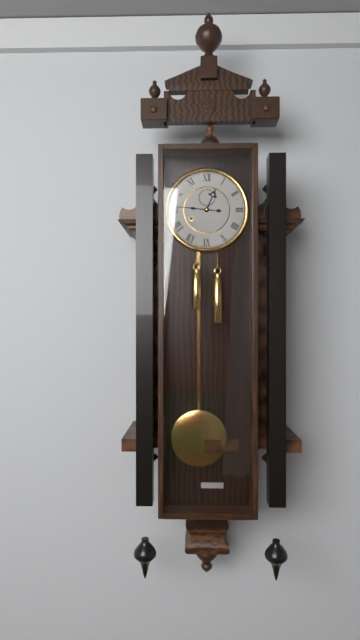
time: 12:46
